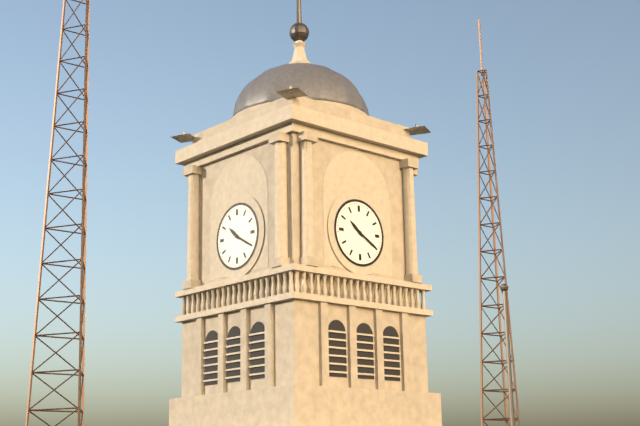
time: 10:20
